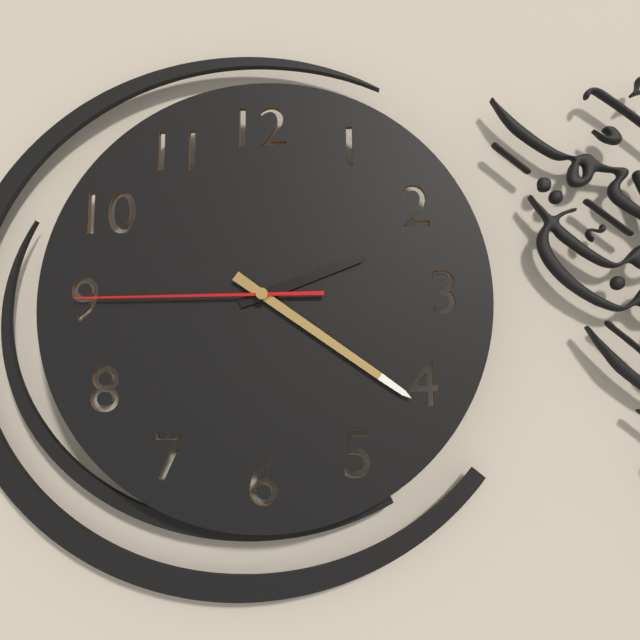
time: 2:21:45
